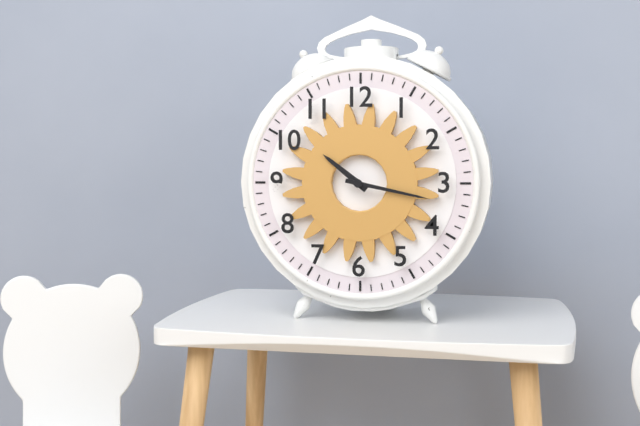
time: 10:17
